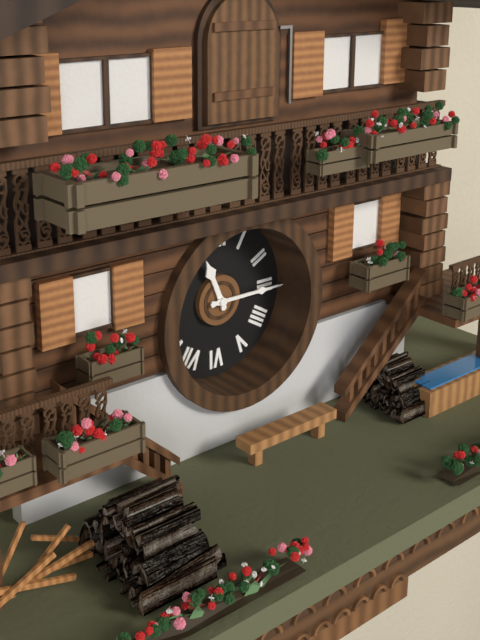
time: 11:15
